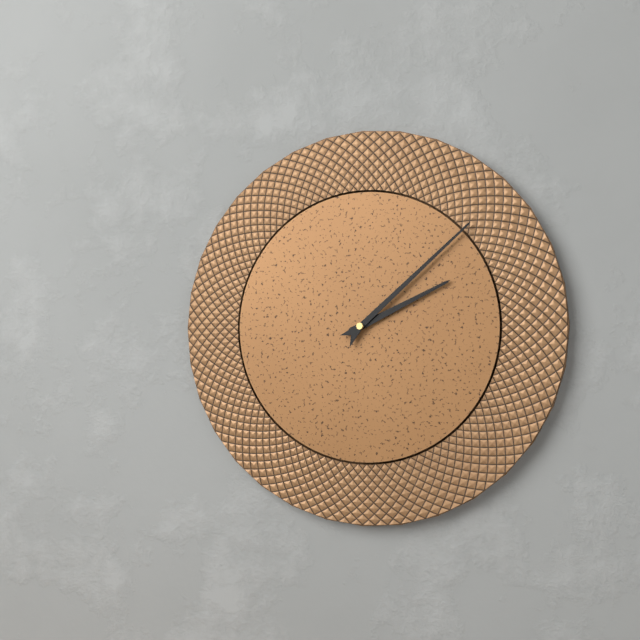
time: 2:08
